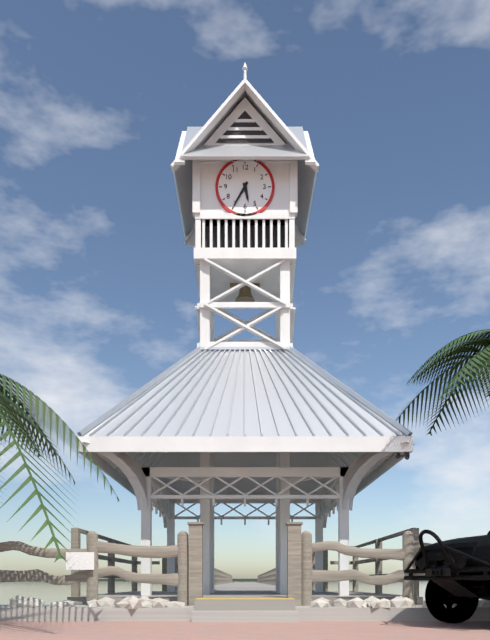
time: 5:35
